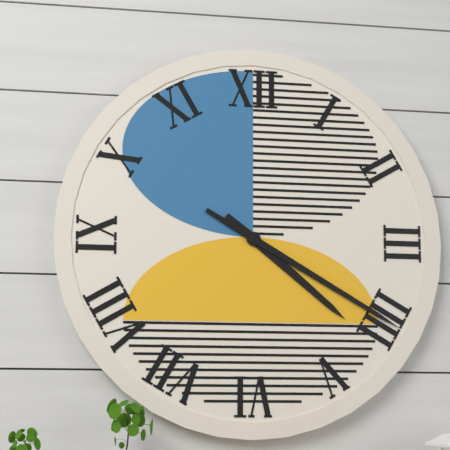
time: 4:20
